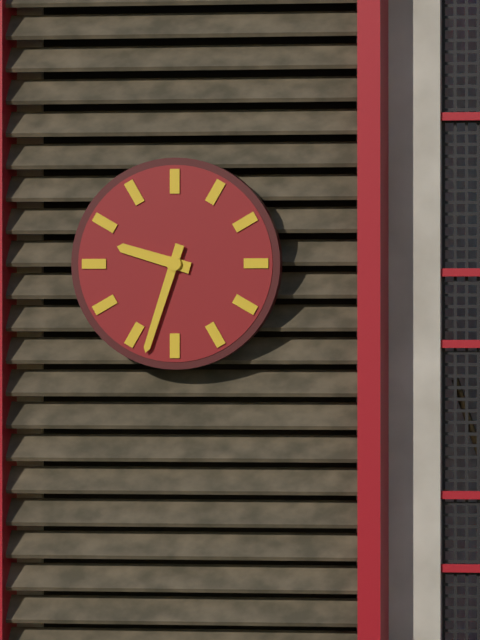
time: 9:33
